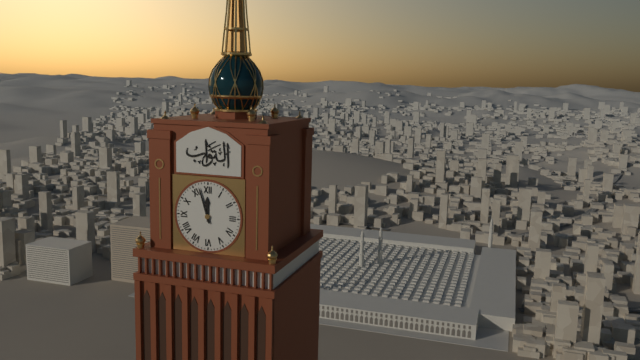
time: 11:57
